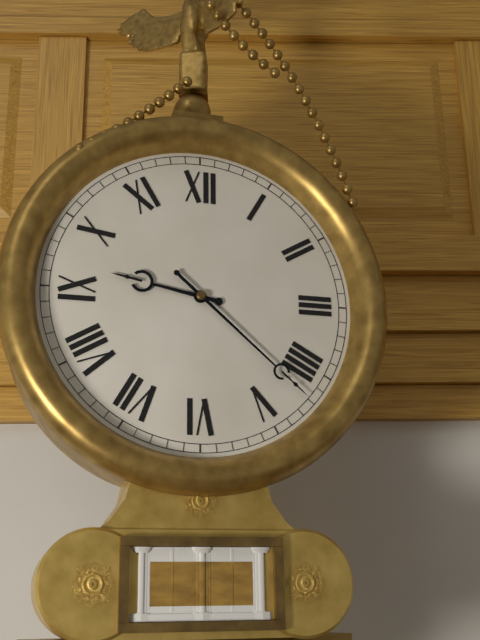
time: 9:22
